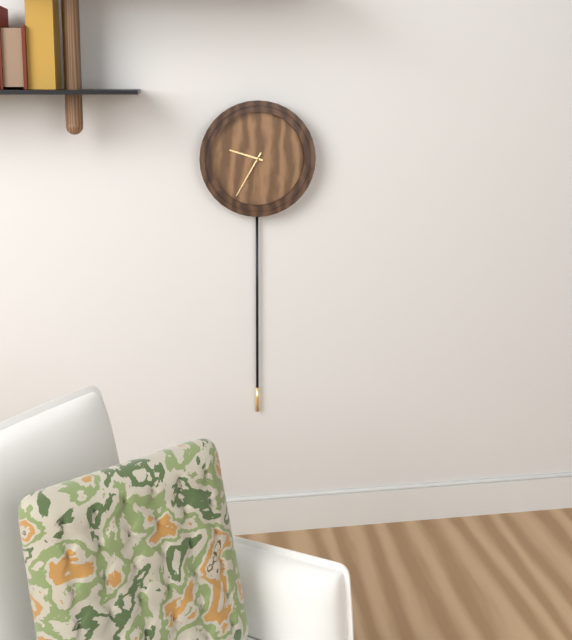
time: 9:35
